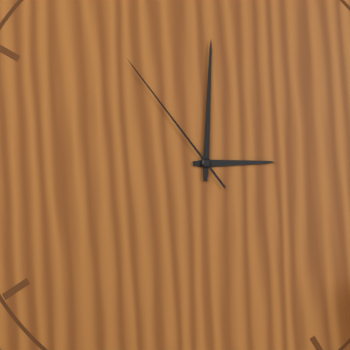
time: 3:01:54
